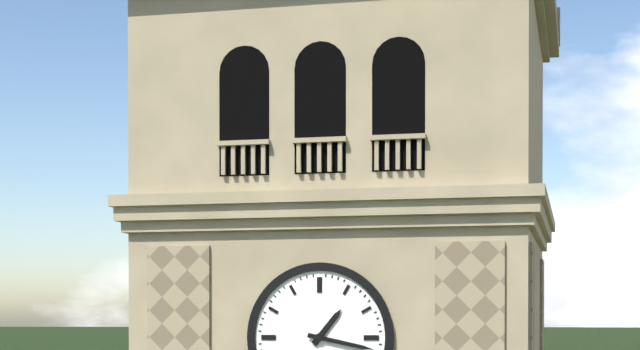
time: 1:17
